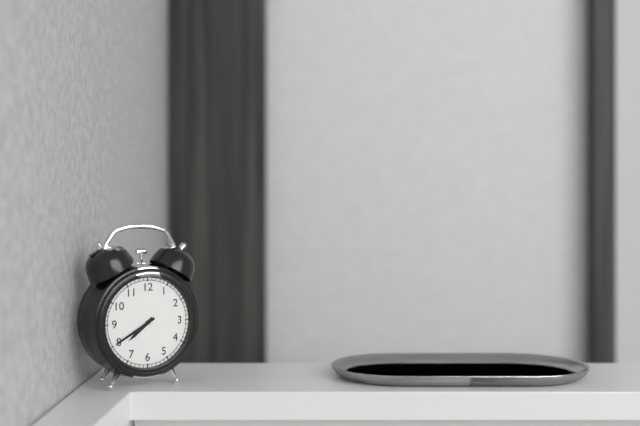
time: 7:40
